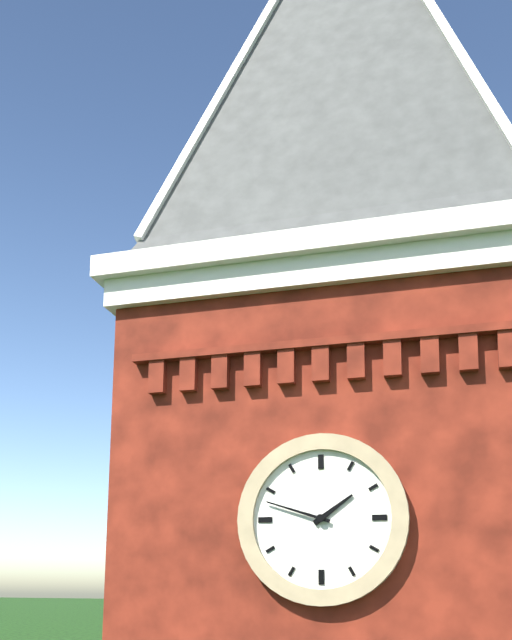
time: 1:48
